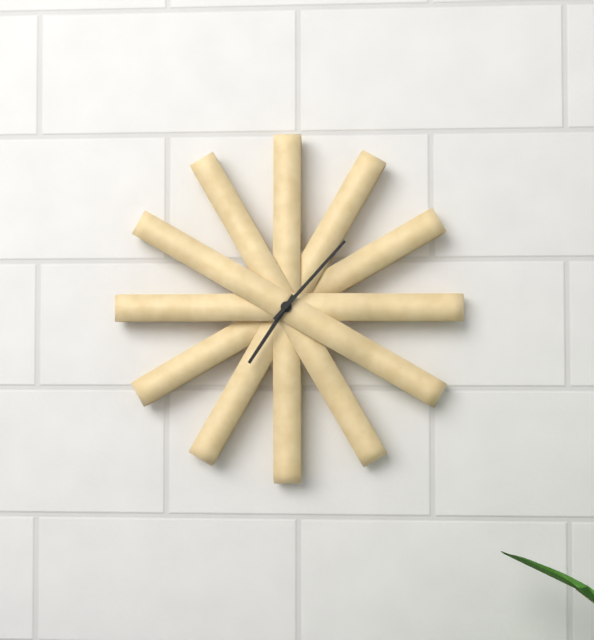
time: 7:07
